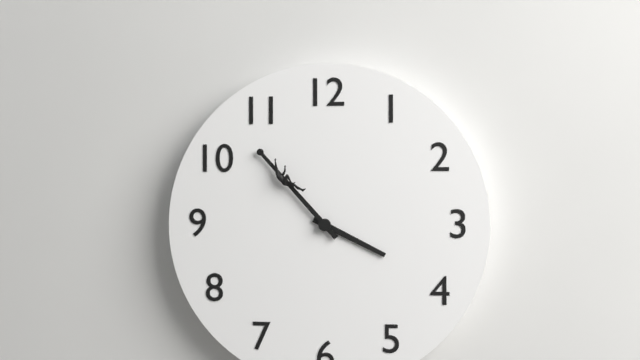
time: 3:53
